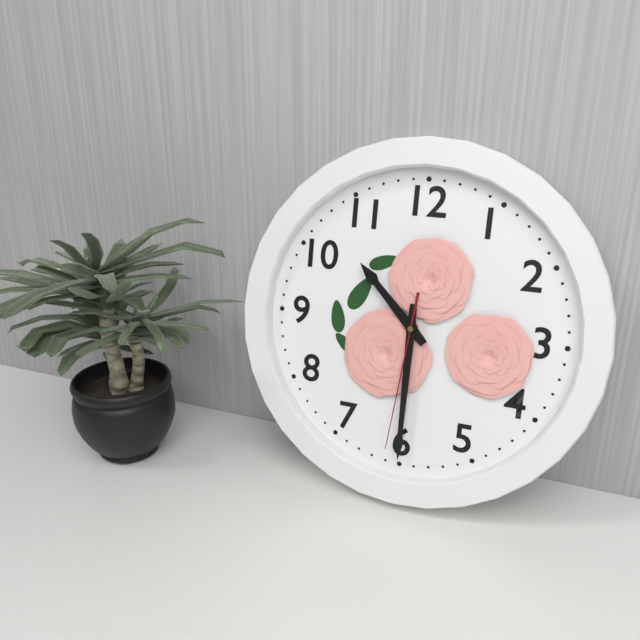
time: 10:30:31
